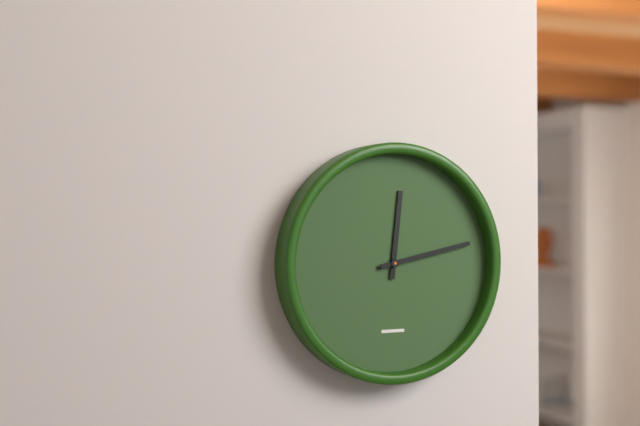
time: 12:13
